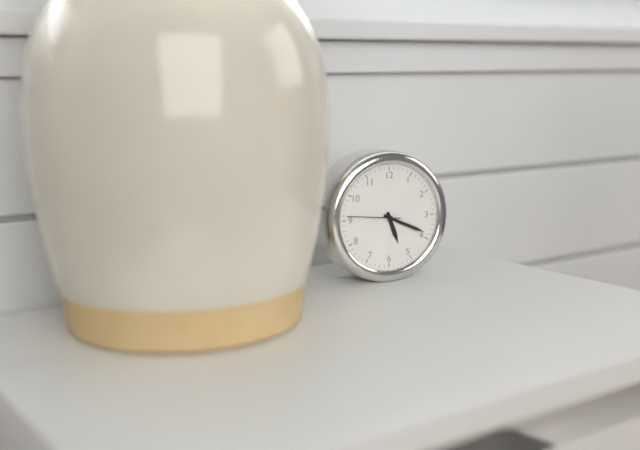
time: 5:19:46
